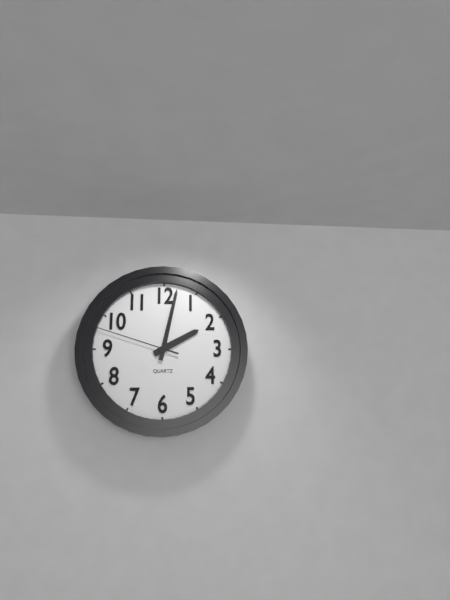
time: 2:02:48
